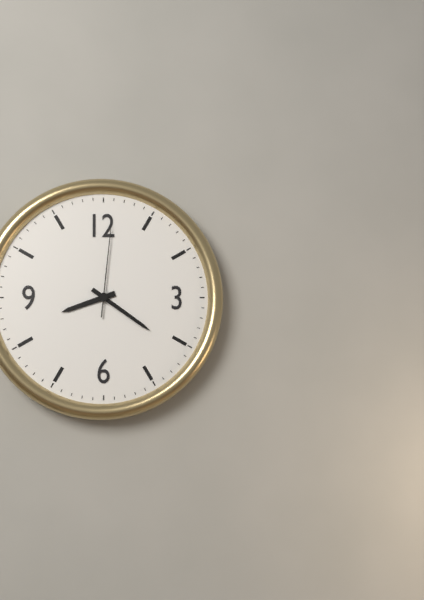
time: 8:21:01
